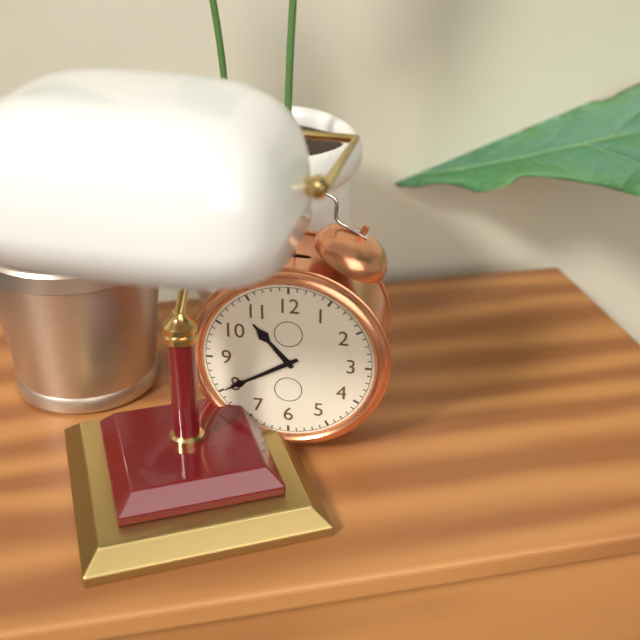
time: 10:40
